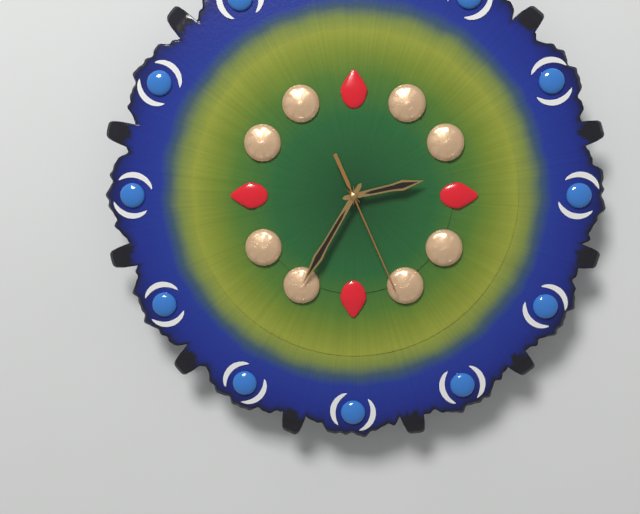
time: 2:35:26
